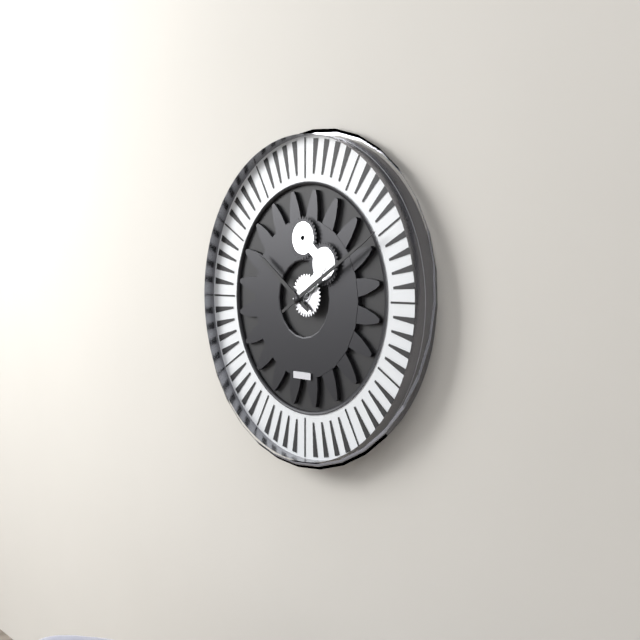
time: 10:10
